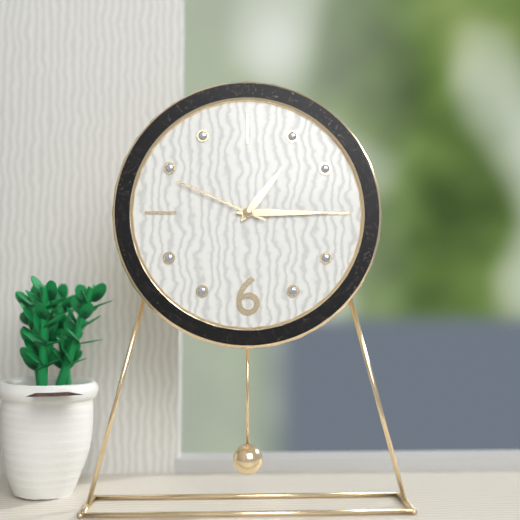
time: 1:15:49
